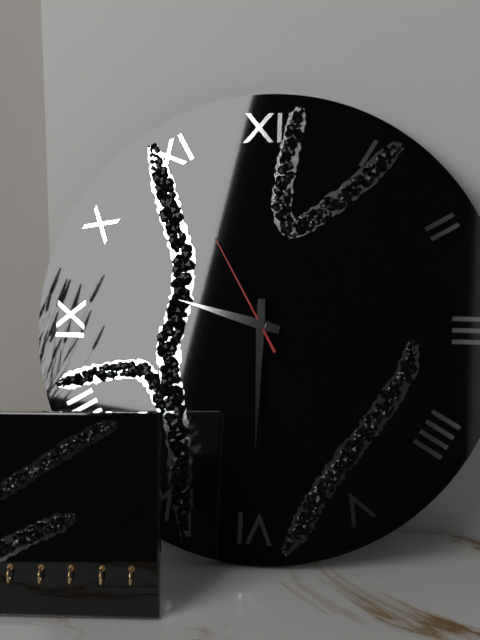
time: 9:30:55
